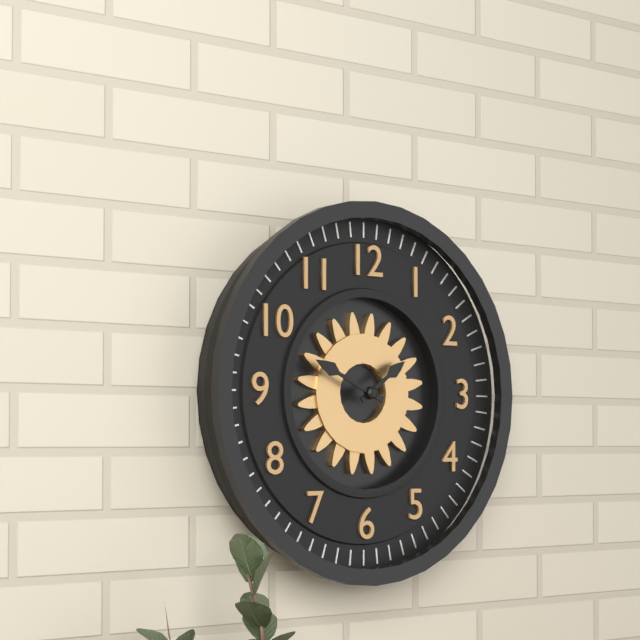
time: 1:49
